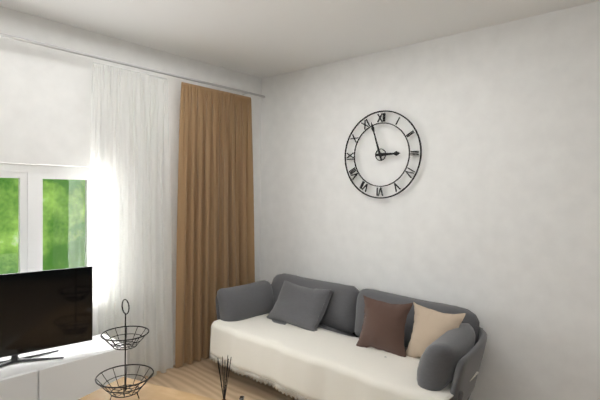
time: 2:57
